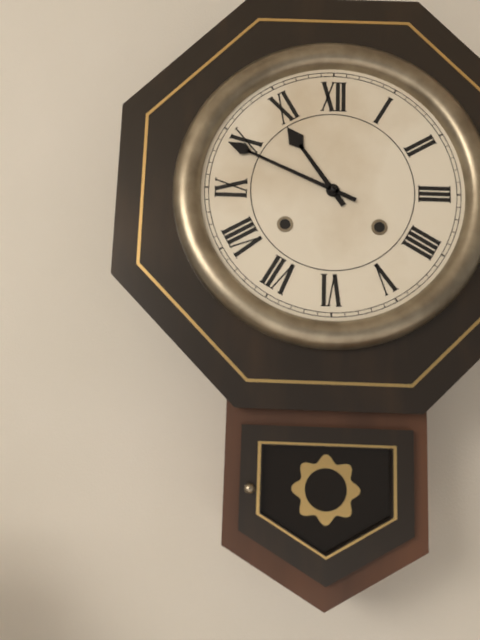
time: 10:49
